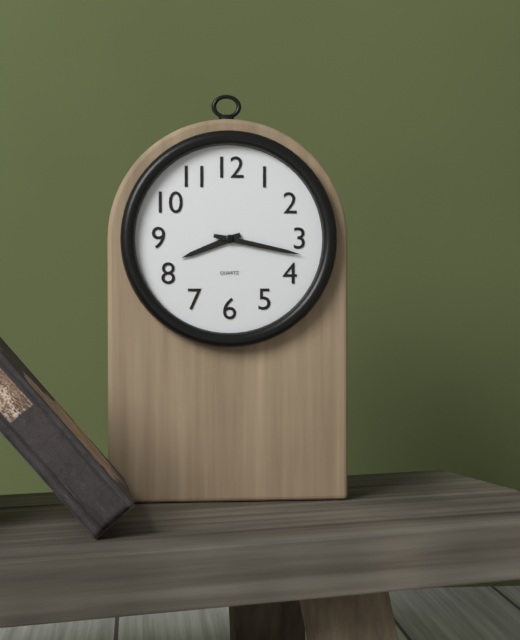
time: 8:17
